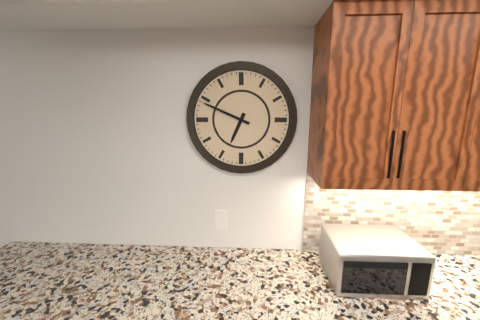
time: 6:49
